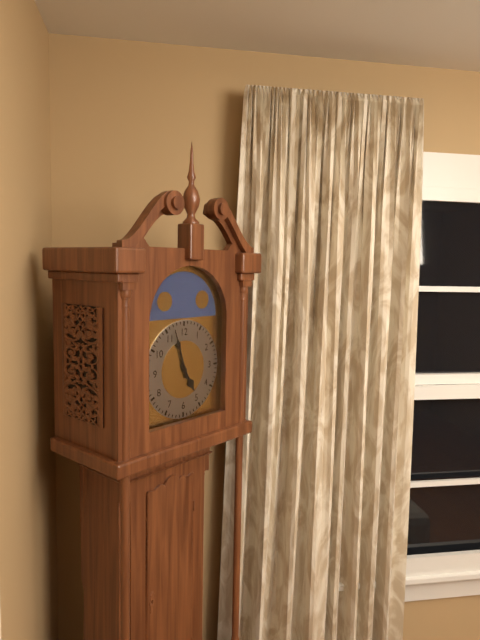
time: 4:57
